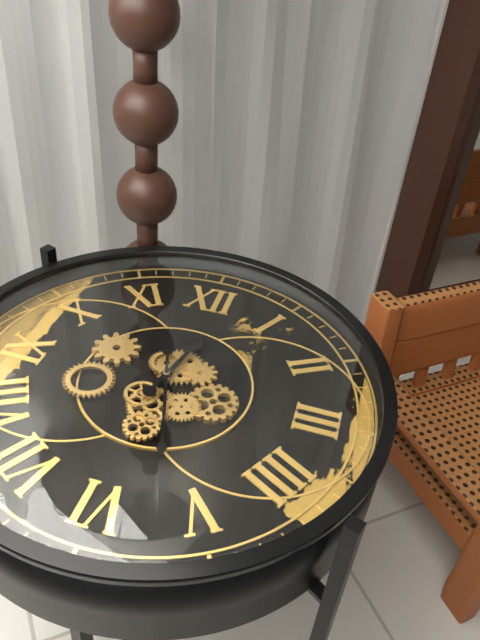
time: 12:27
